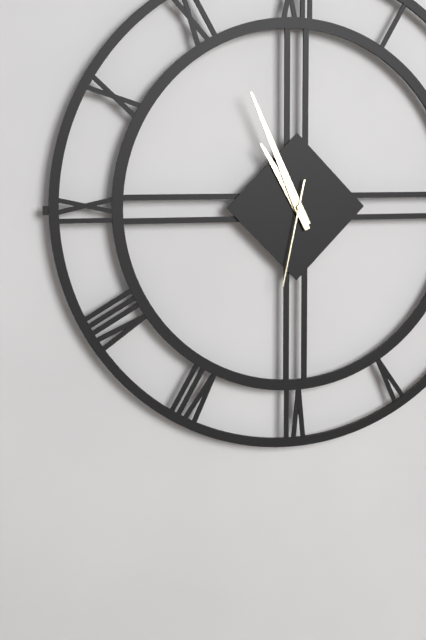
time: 10:56:32
